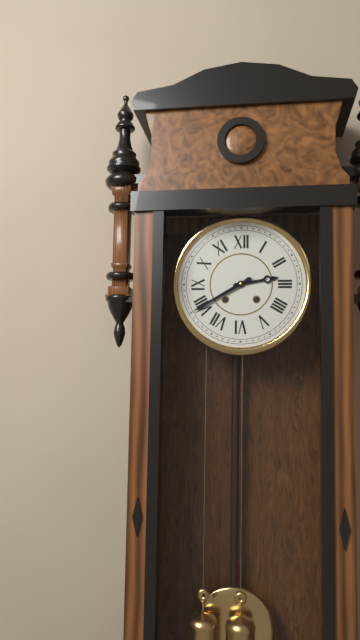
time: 2:40
